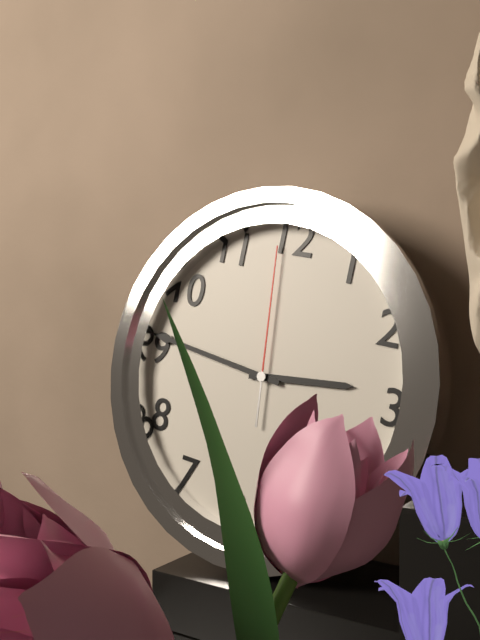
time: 2:46:59
